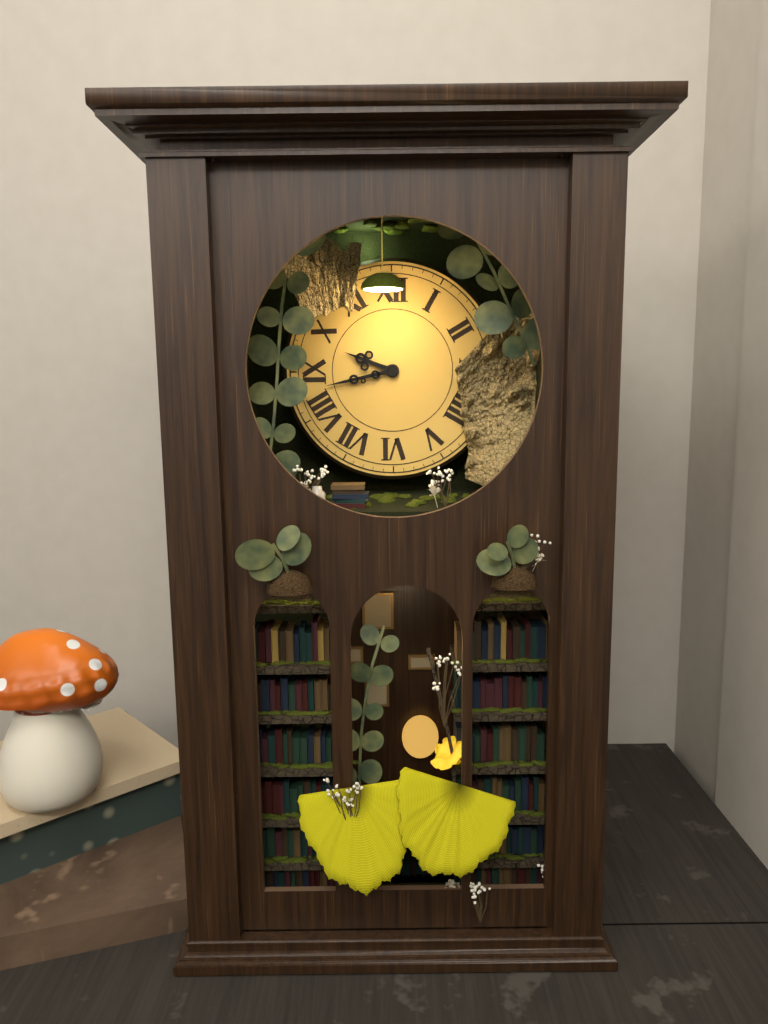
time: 9:43
